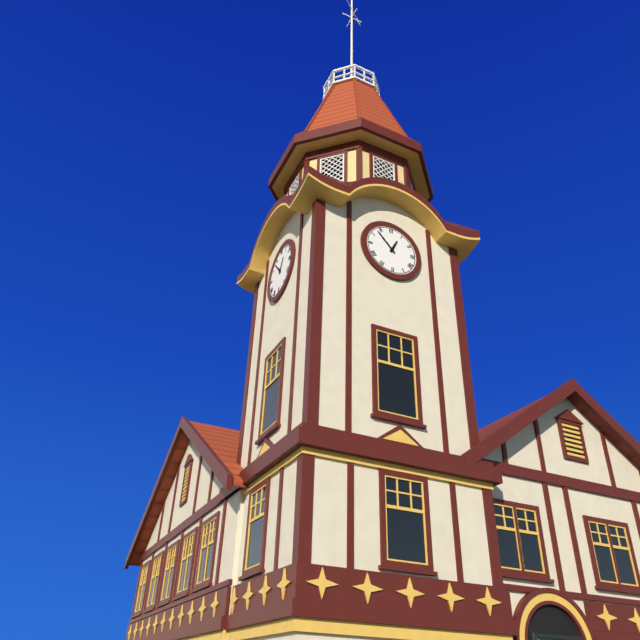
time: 12:53
